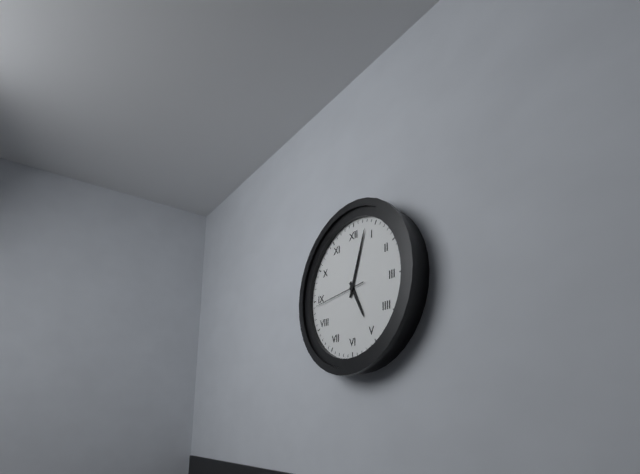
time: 5:03:44
